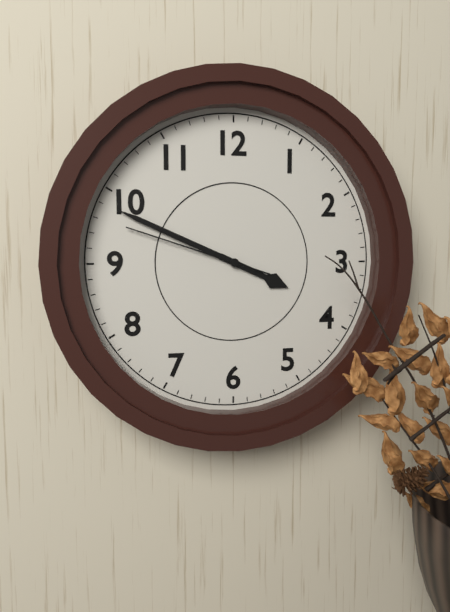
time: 3:49:48
